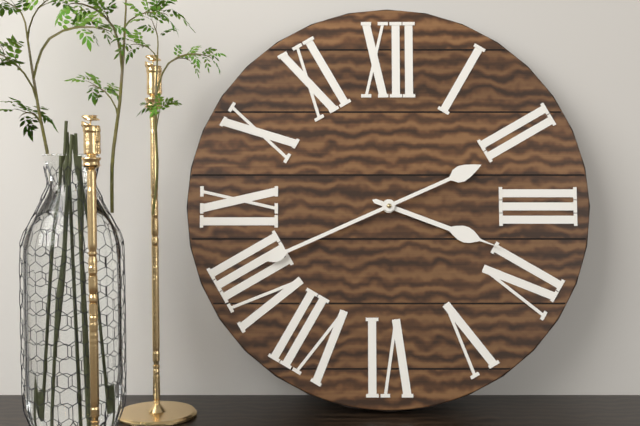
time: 3:41
